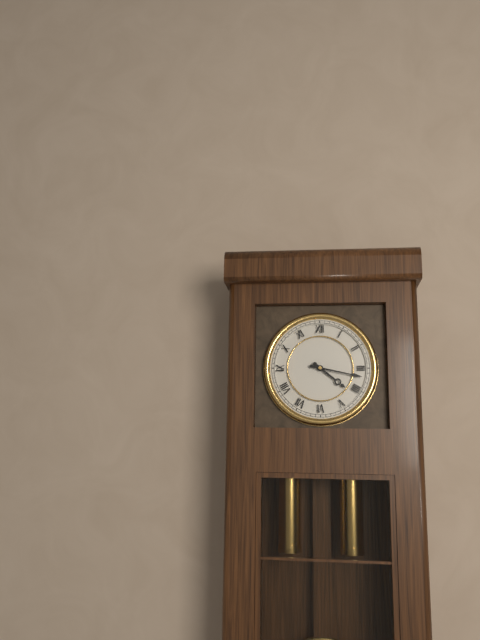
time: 4:17
